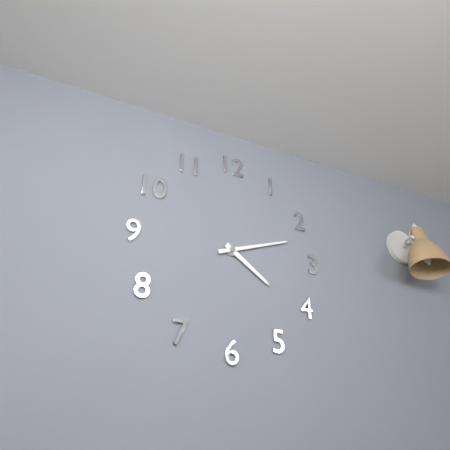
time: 4:12
